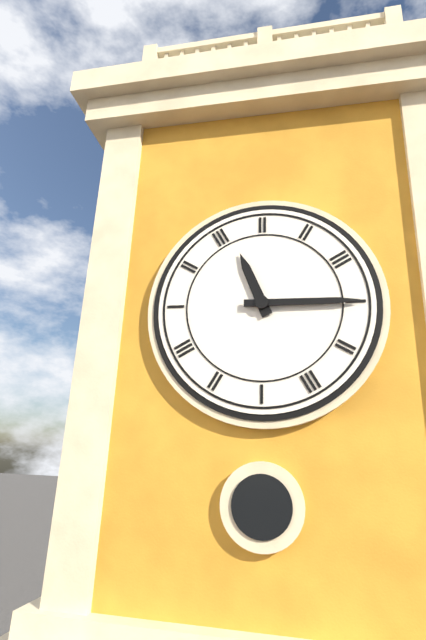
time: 11:15
